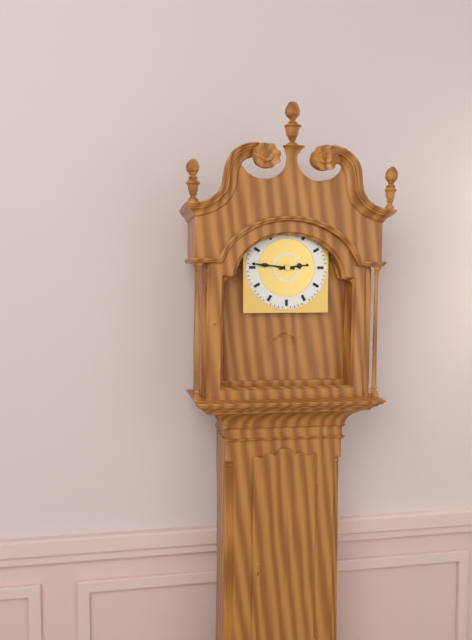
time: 2:46
